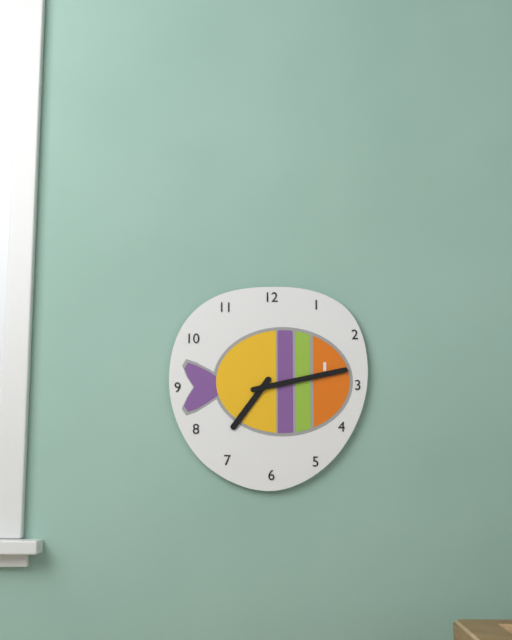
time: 7:13
